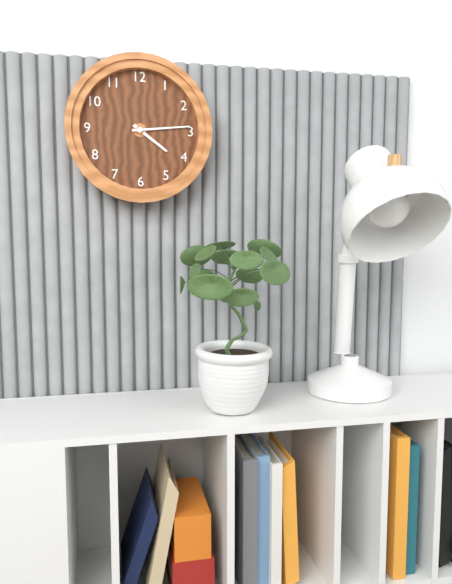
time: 4:14
